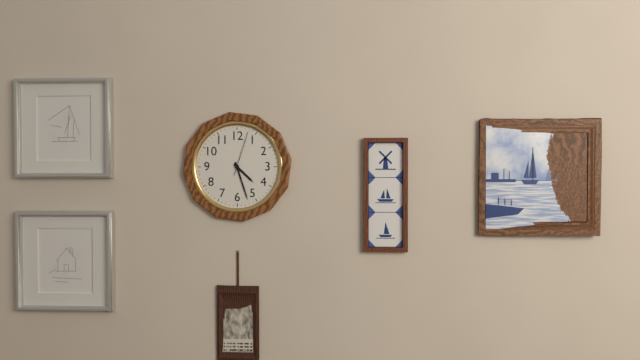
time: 4:27
